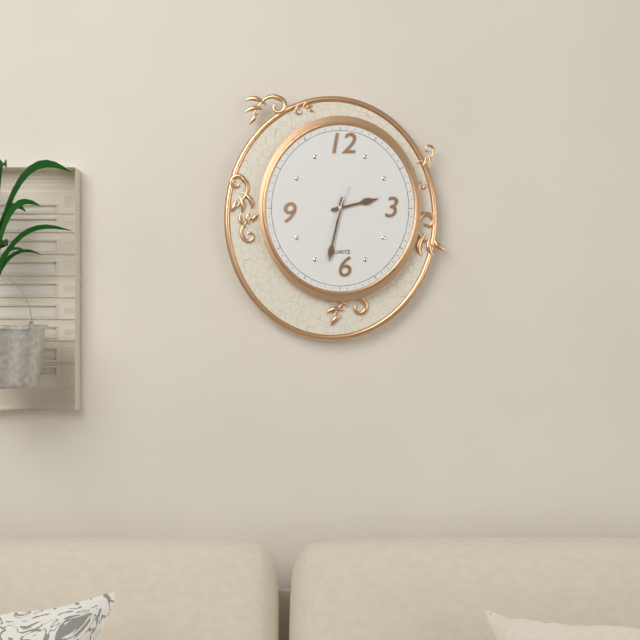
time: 2:32:33
